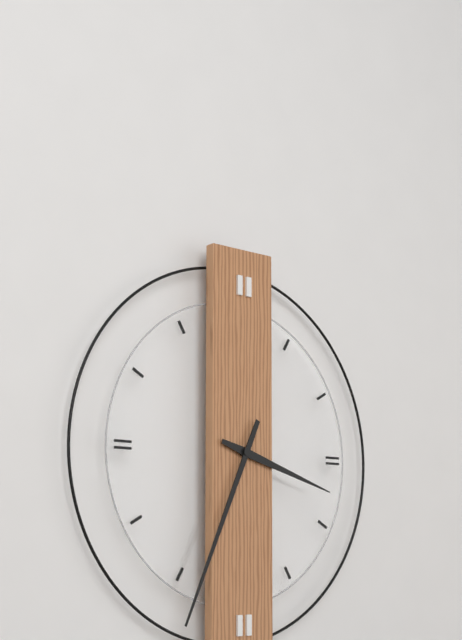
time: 3:34
